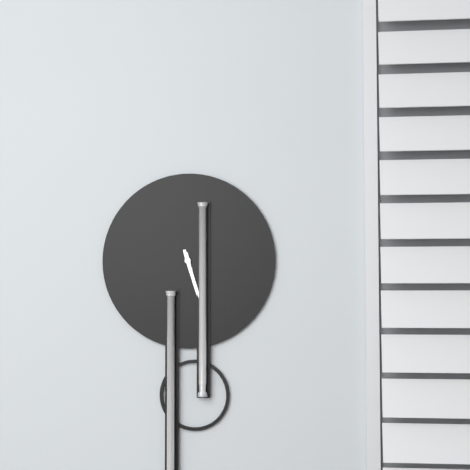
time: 5:27
